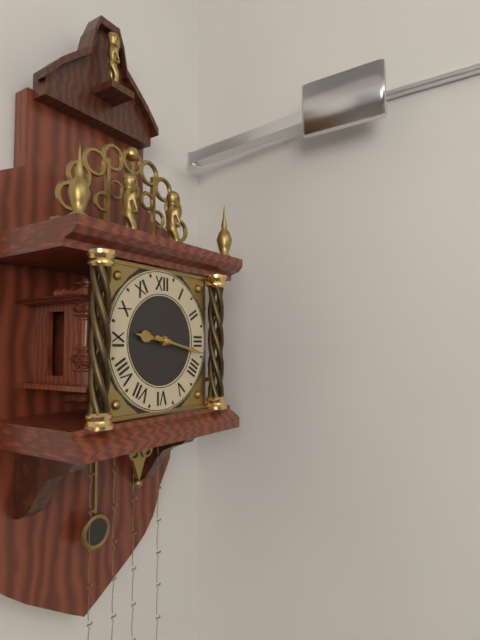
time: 9:17
